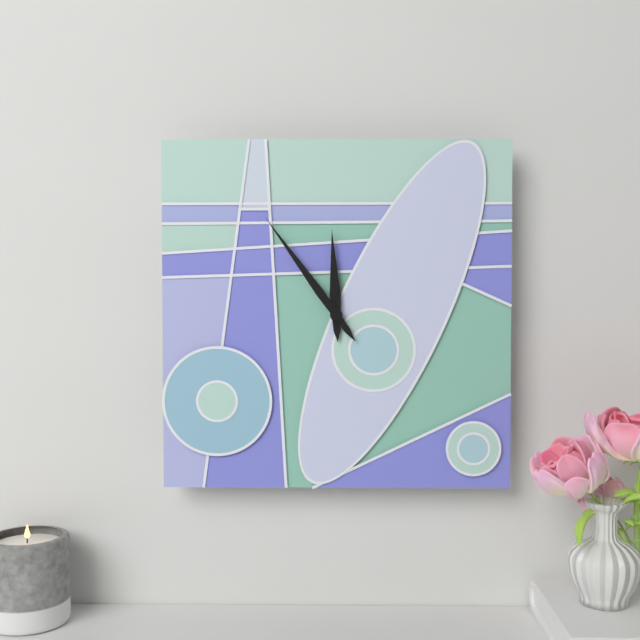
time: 11:54
